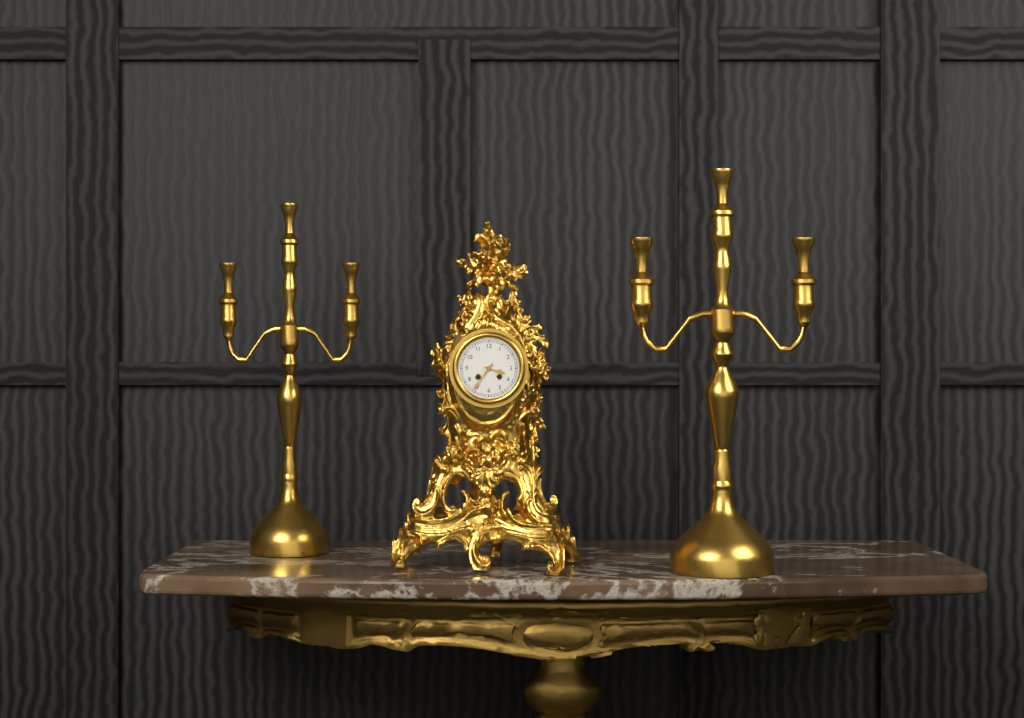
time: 3:36
